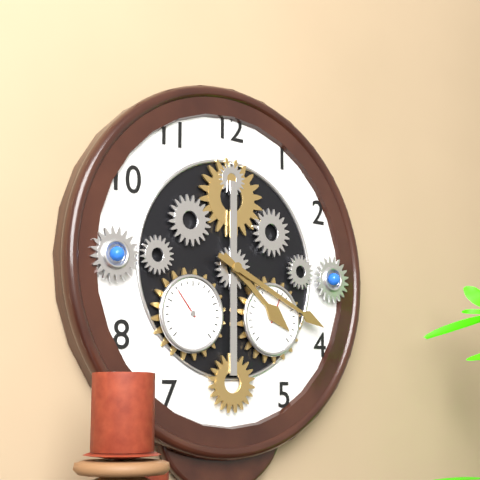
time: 4:19
